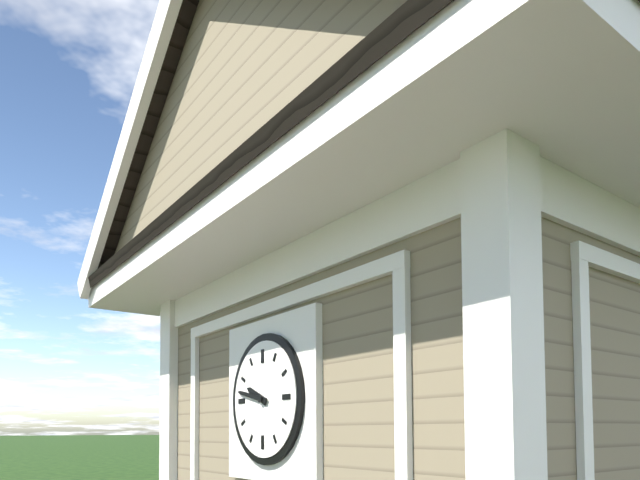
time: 9:47
